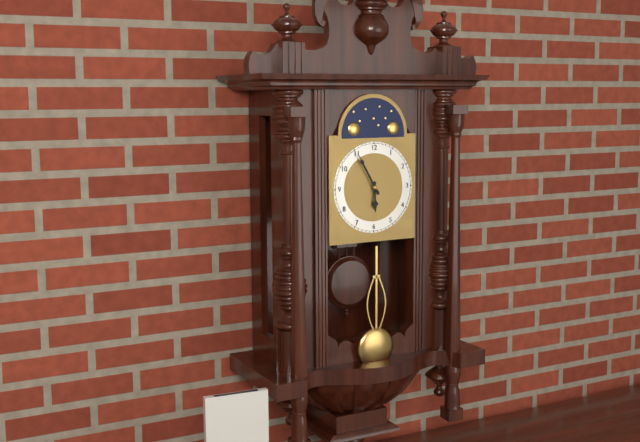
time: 5:55
